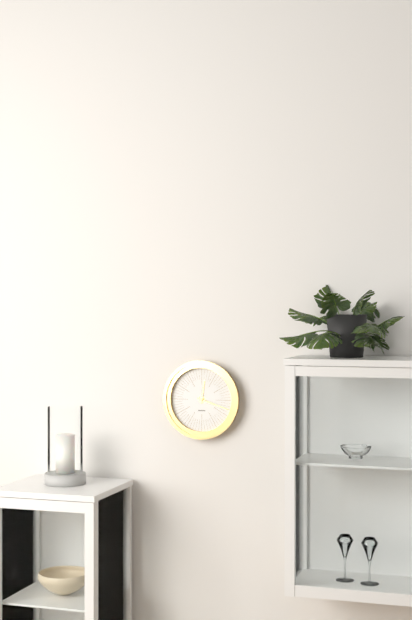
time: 12:18
